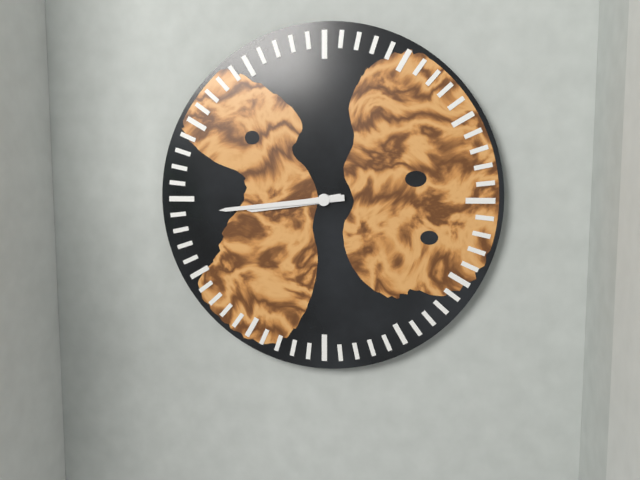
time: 8:44
